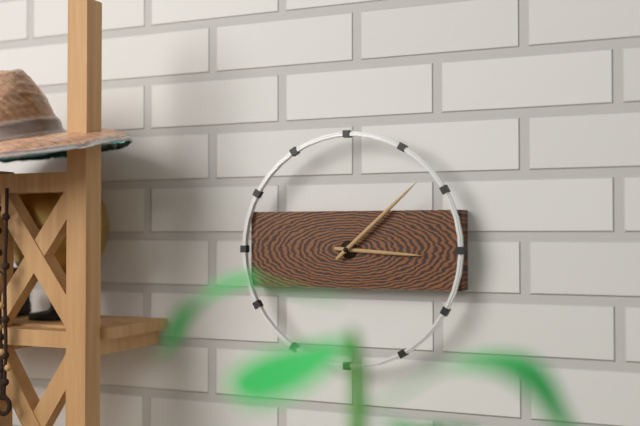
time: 3:08
